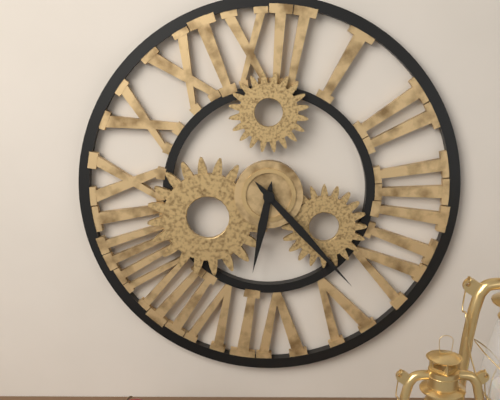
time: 6:23
